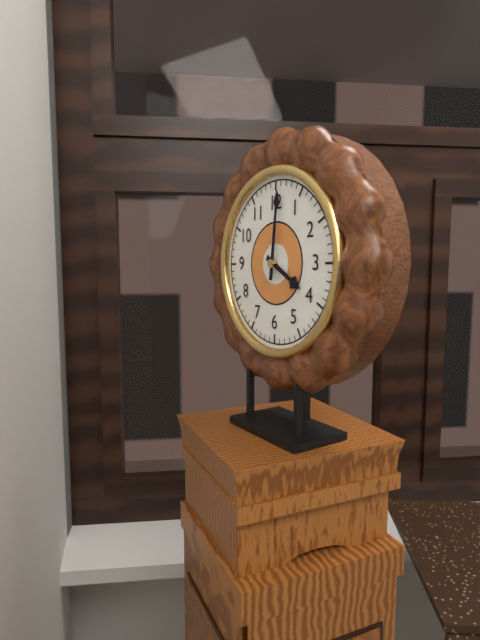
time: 4:01
